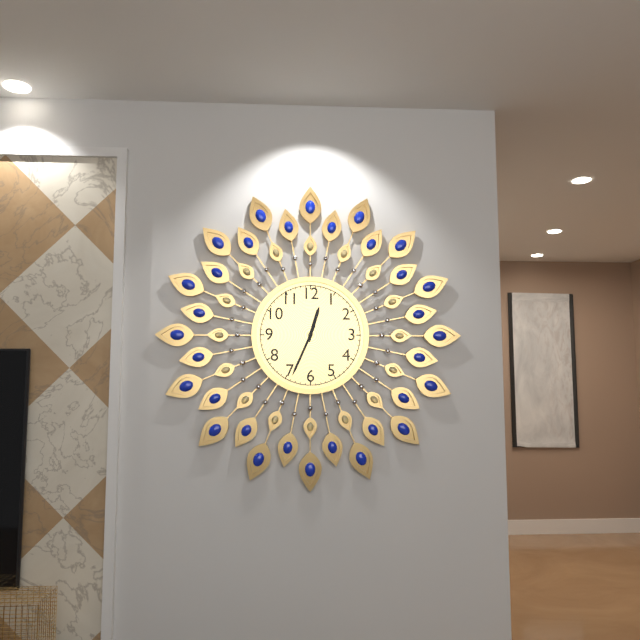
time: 12:34
